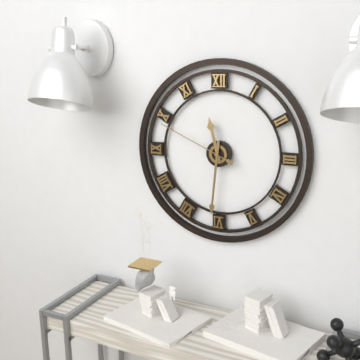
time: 11:31:49
